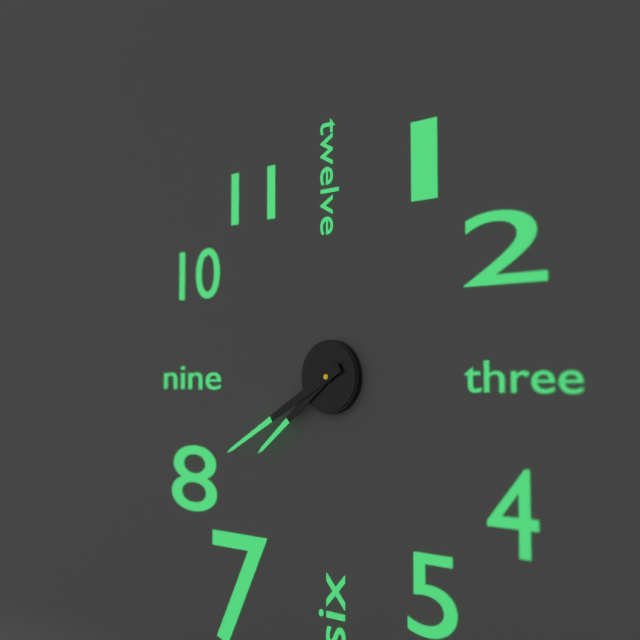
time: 7:40
